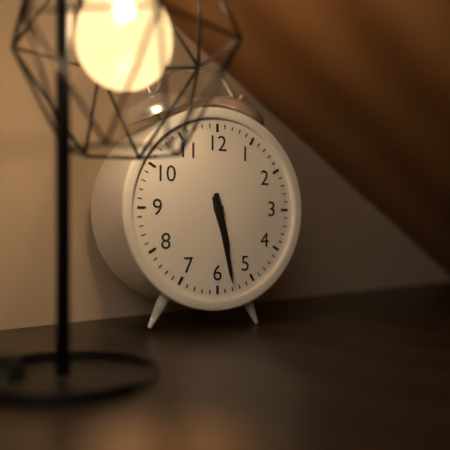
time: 5:28
